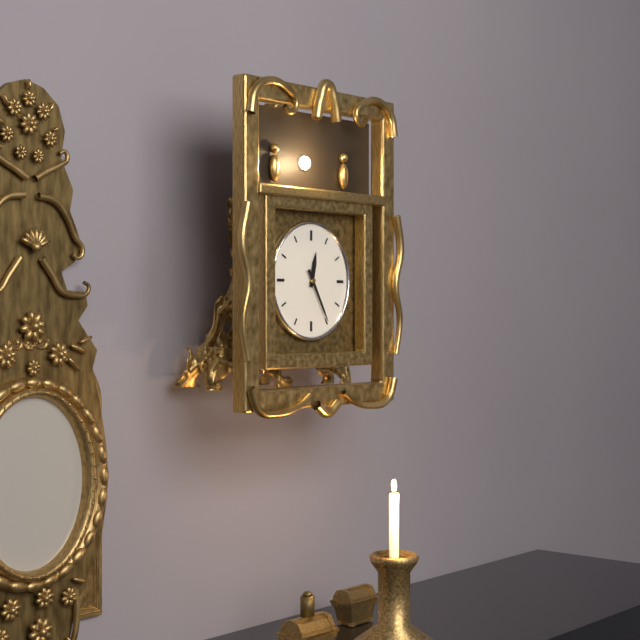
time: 12:25
